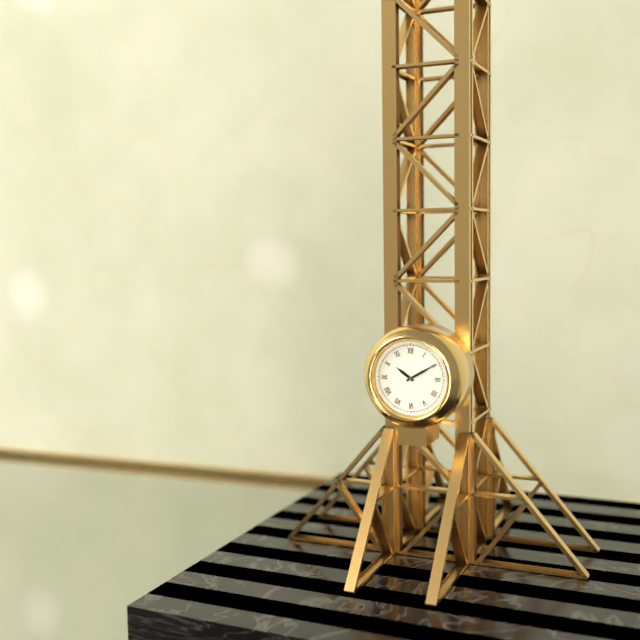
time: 10:10
